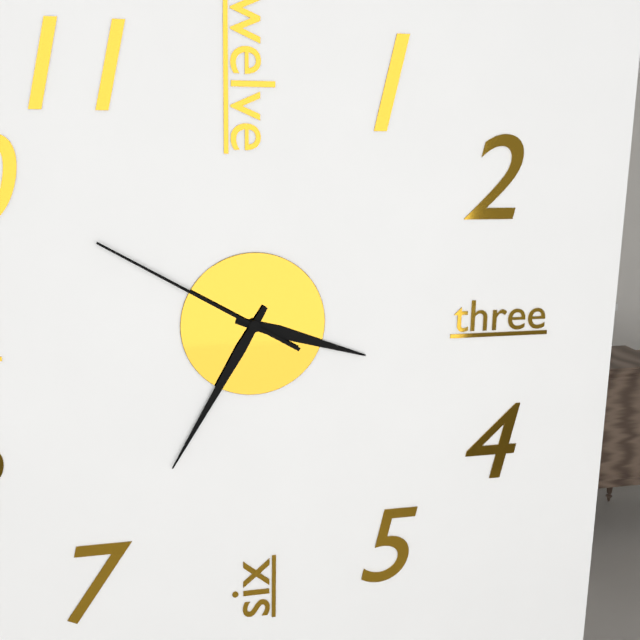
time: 3:35:50
